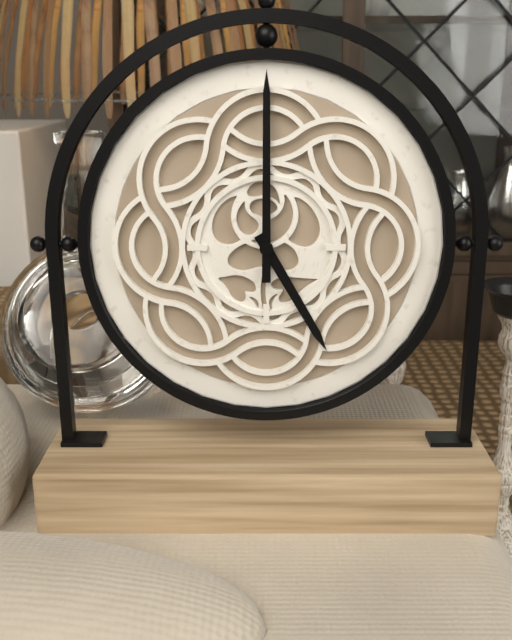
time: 5:00
